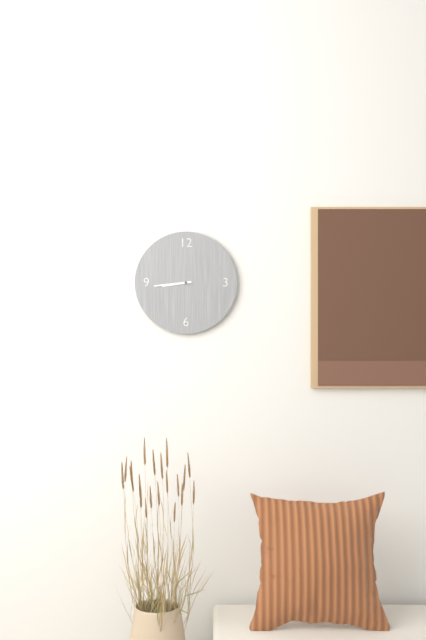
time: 8:44
